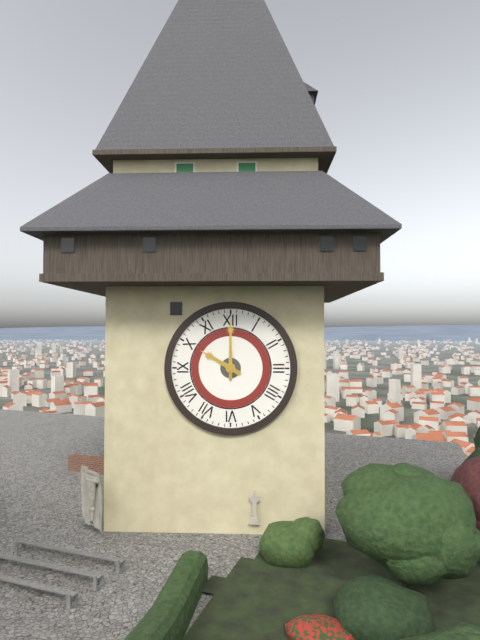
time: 10:00
